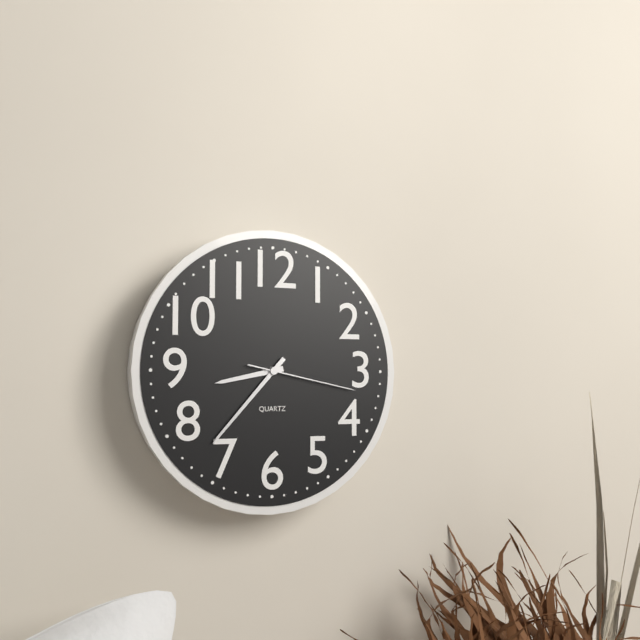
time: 8:37:17
